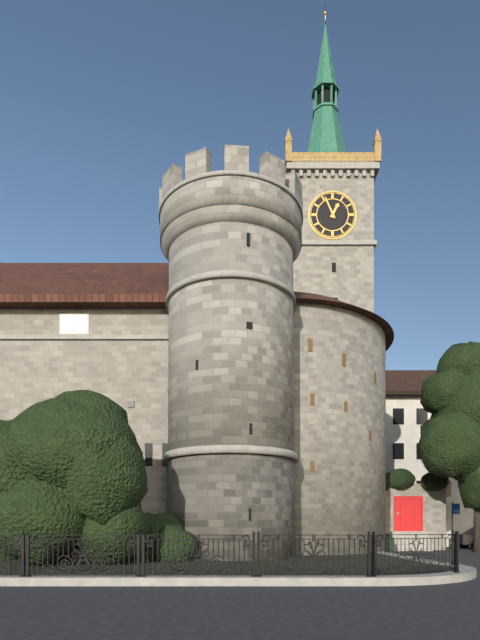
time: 12:56
